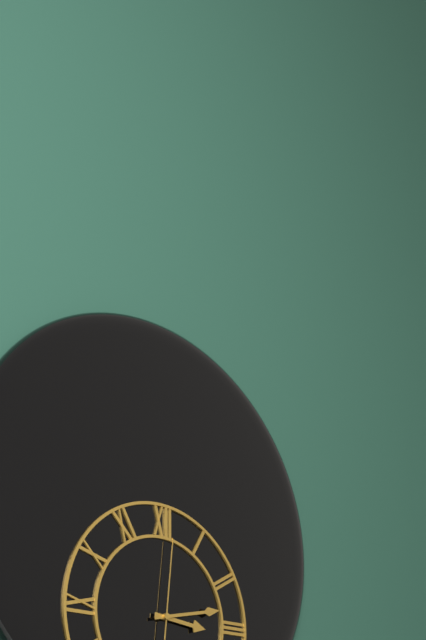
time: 3:13:01
